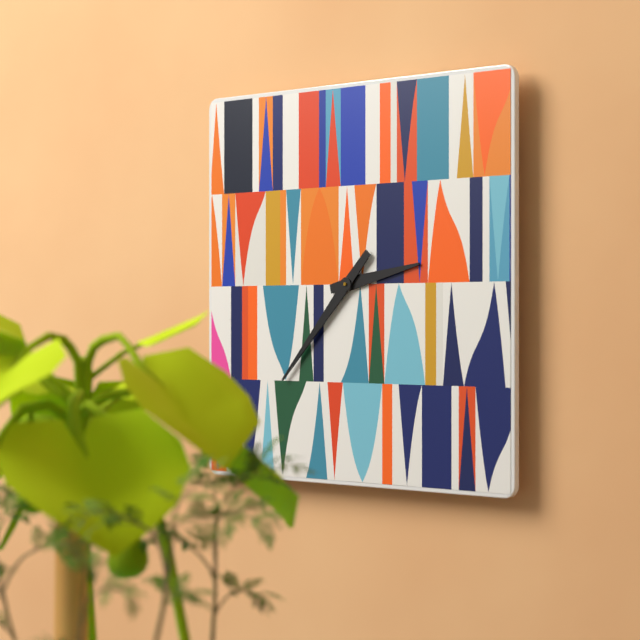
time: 2:37
